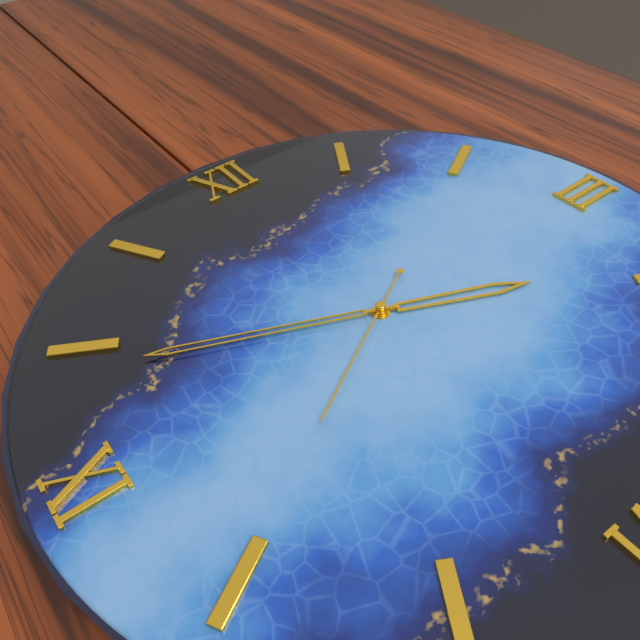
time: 3:49:40
